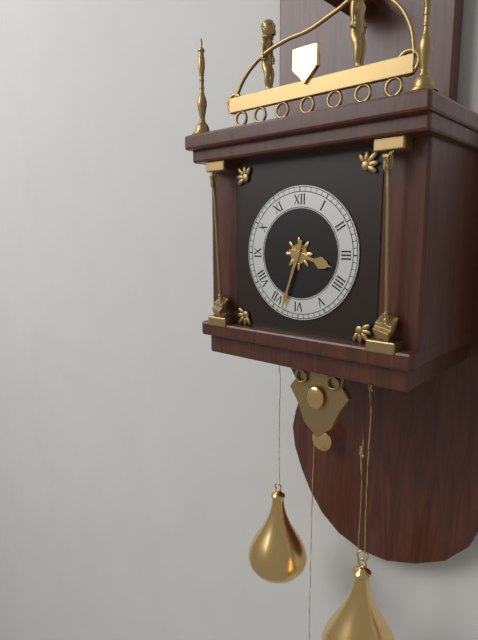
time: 3:33
